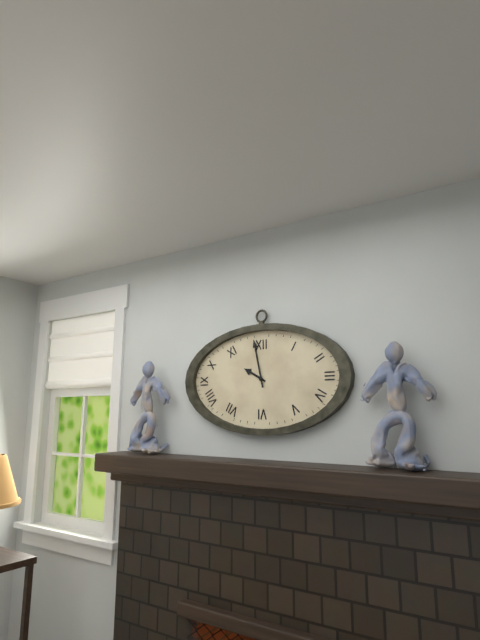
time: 9:58
